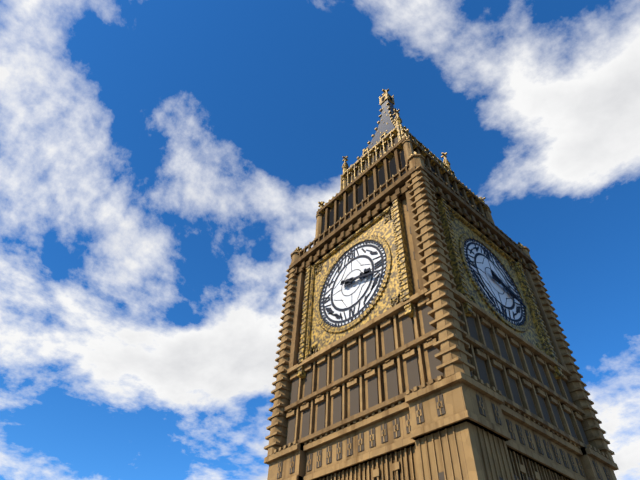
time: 3:18
